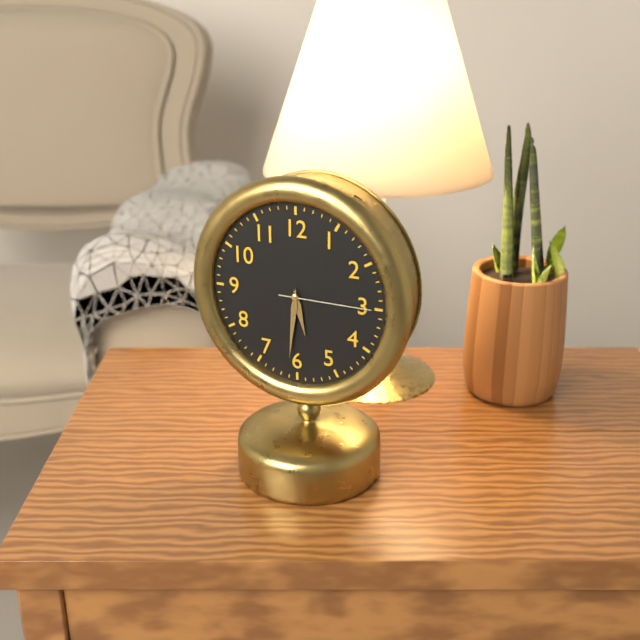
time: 5:31:15
